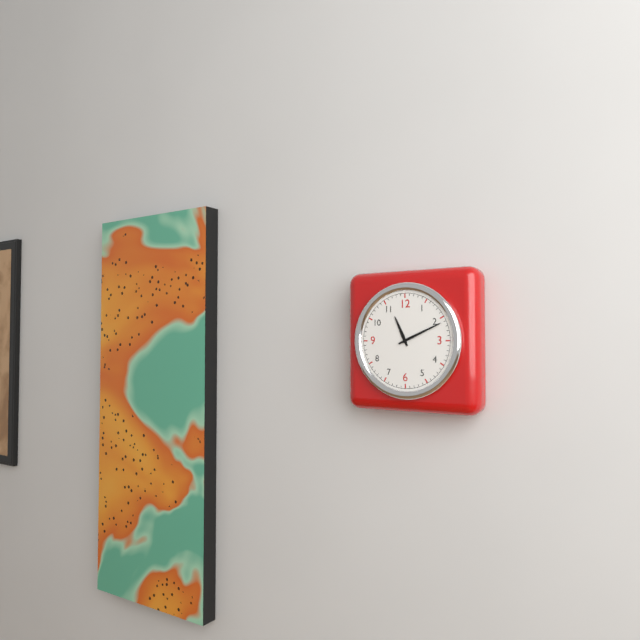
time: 11:11
